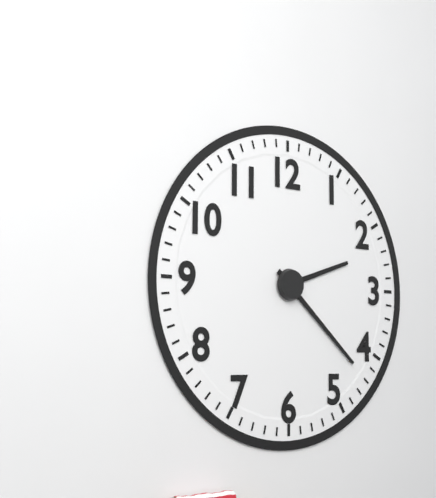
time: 2:22
